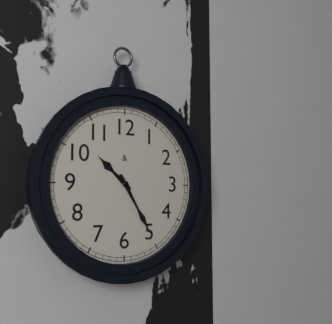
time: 10:25
